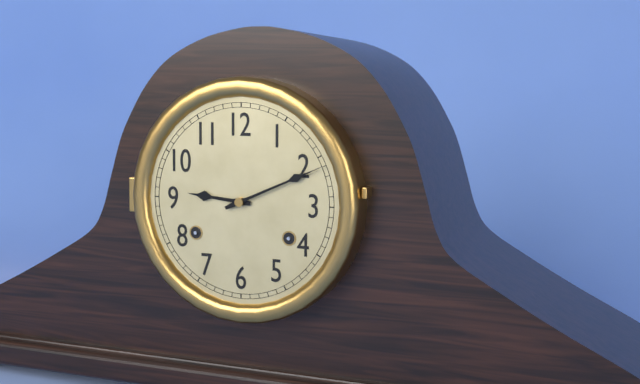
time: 9:11
